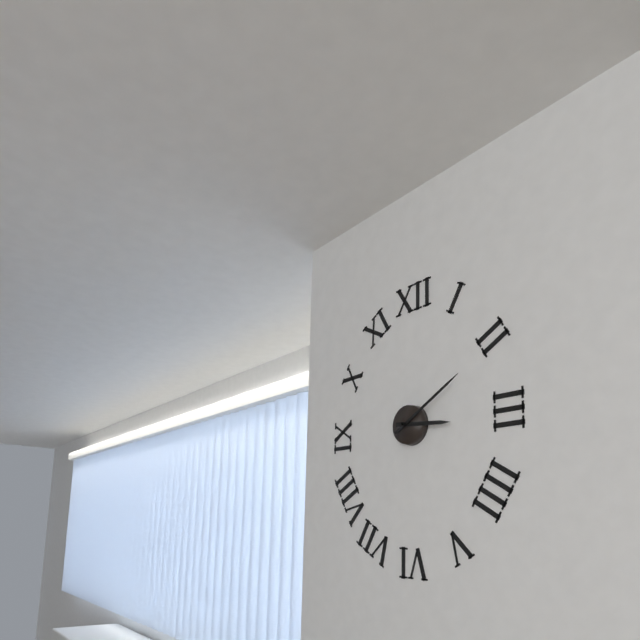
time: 3:10
